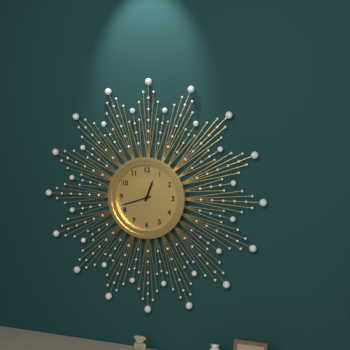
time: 12:42
